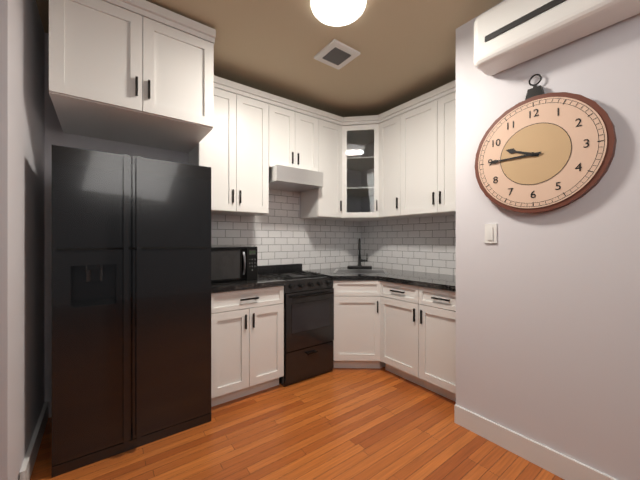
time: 9:45
